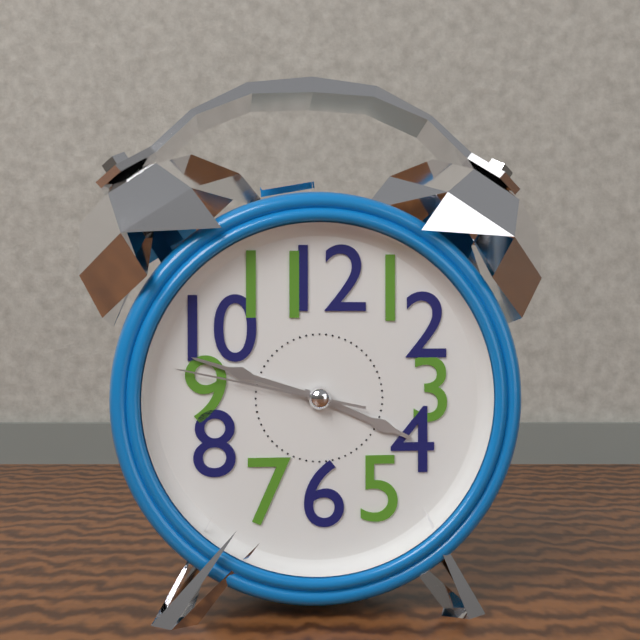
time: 3:48:47
